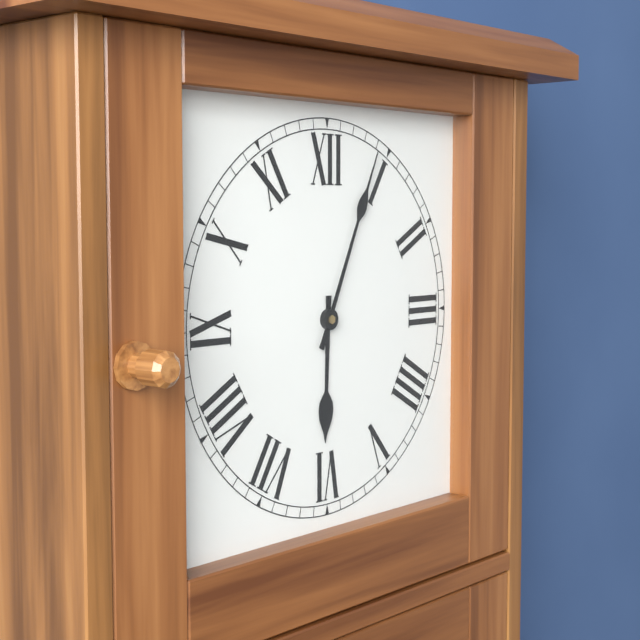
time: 6:04
